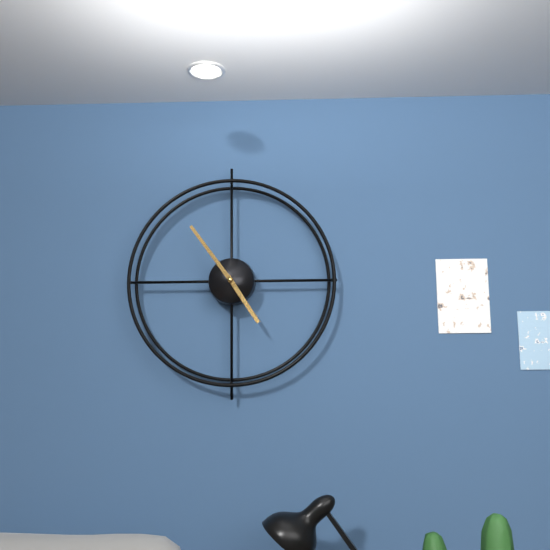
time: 4:54
